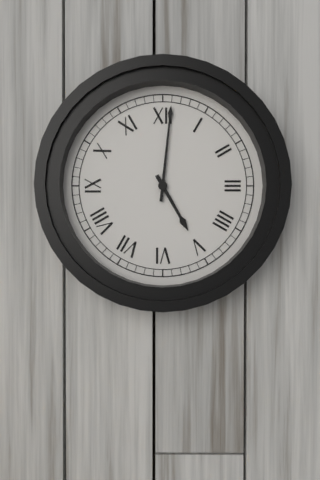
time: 5:01
